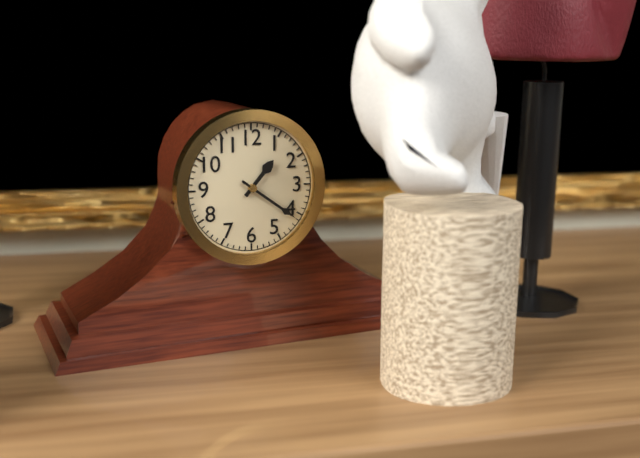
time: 1:21
